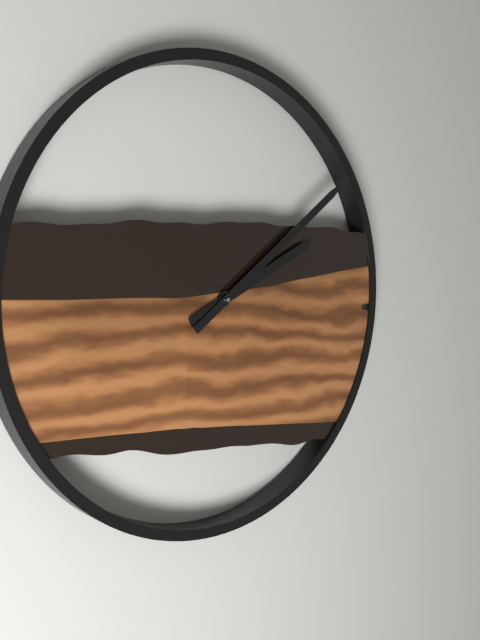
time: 2:09
